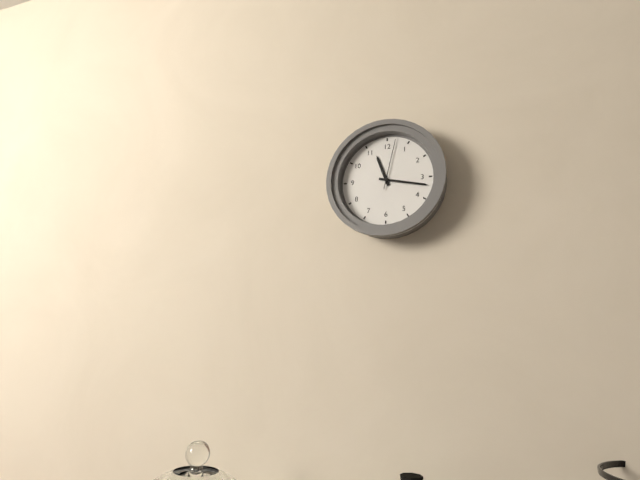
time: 11:17:02
